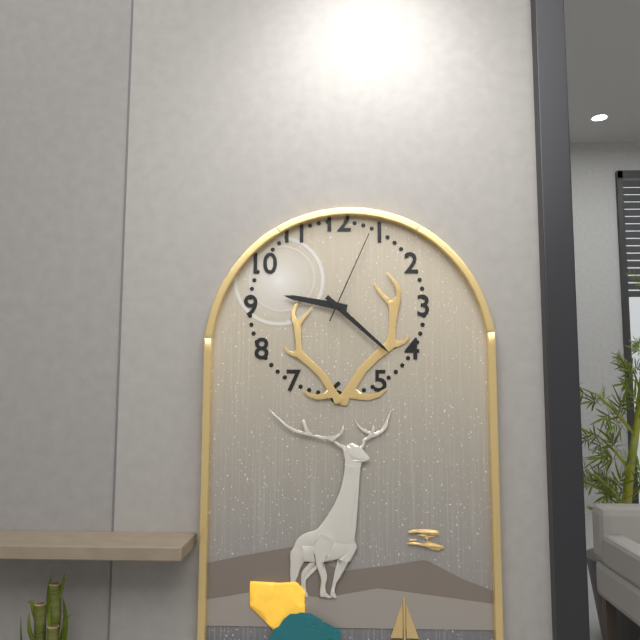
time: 9:22:04
